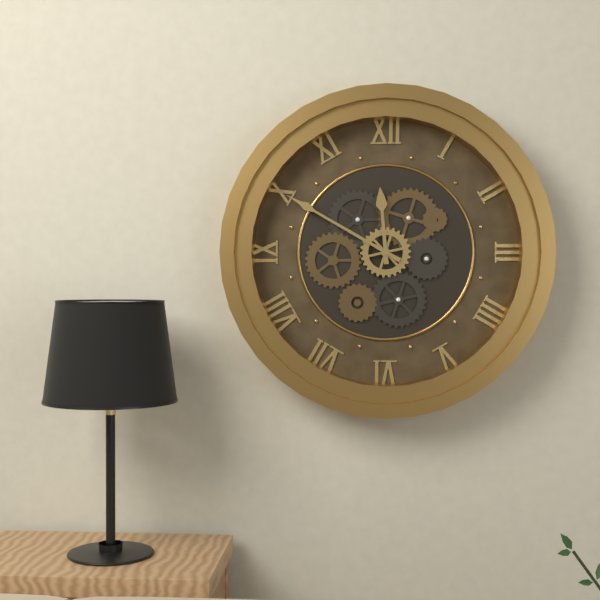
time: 11:50
